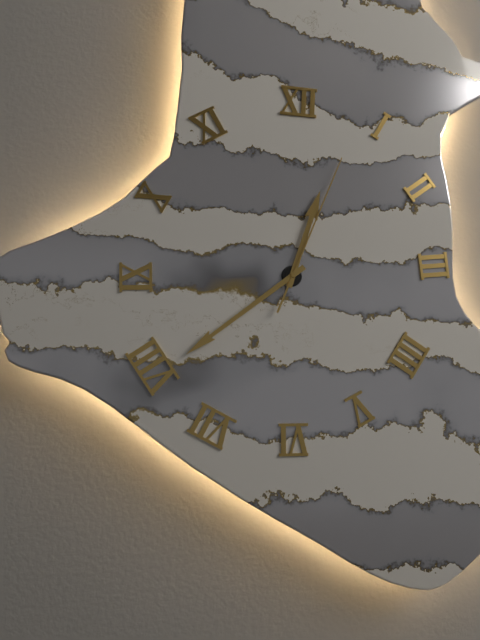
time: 12:39:04
